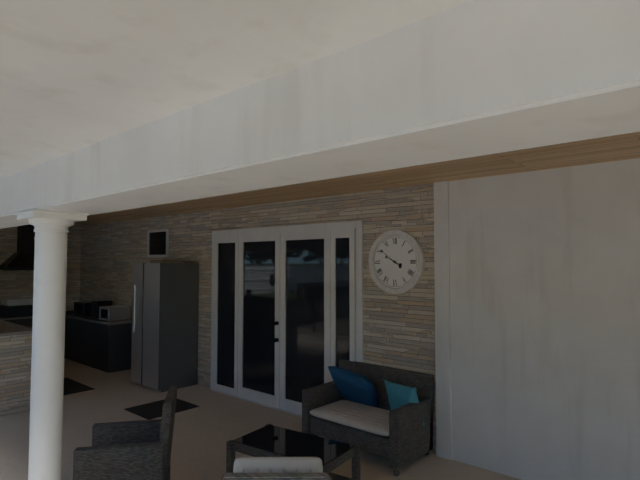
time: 9:51
